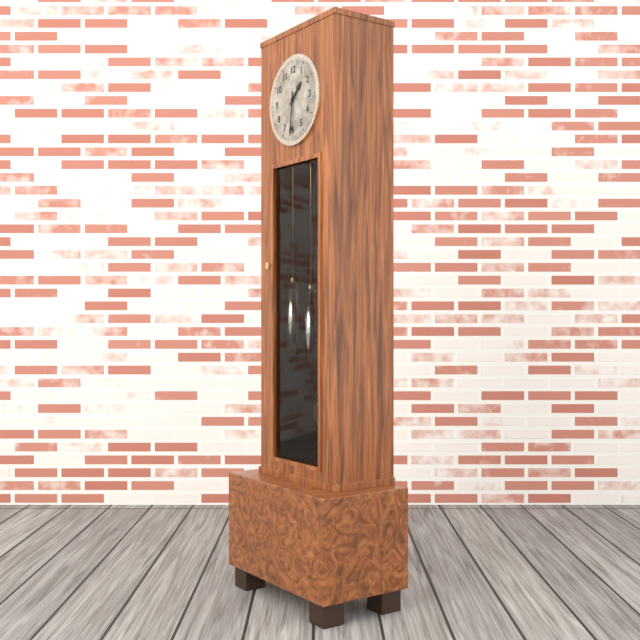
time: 1:31
